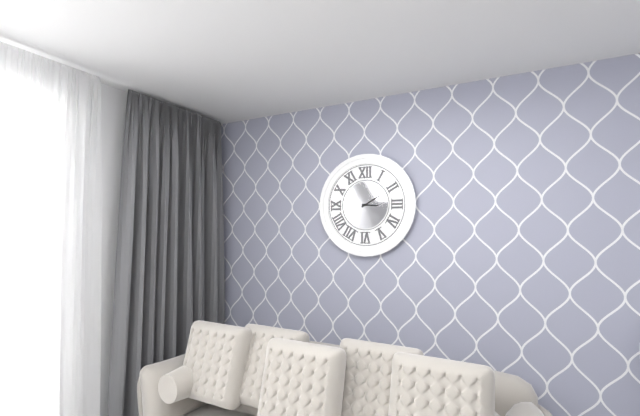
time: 3:10
